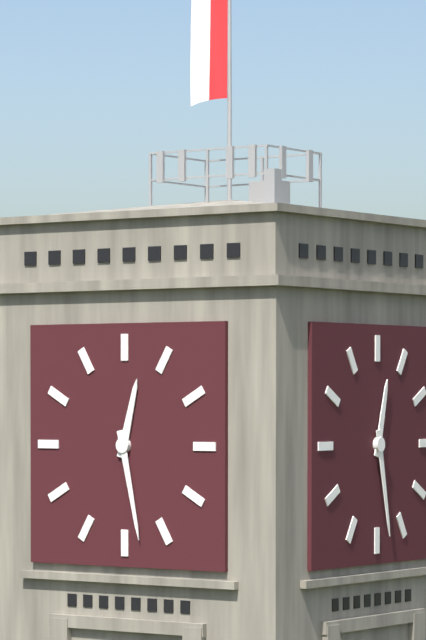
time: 12:28
